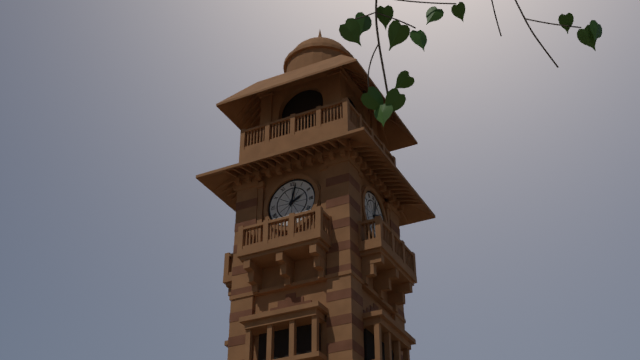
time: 2:02
